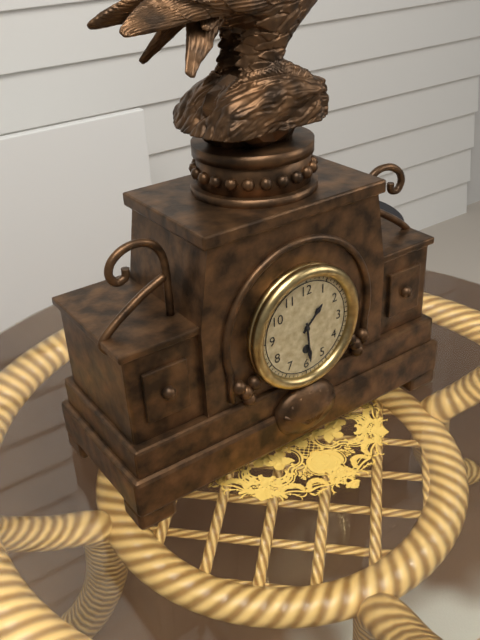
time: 1:29
